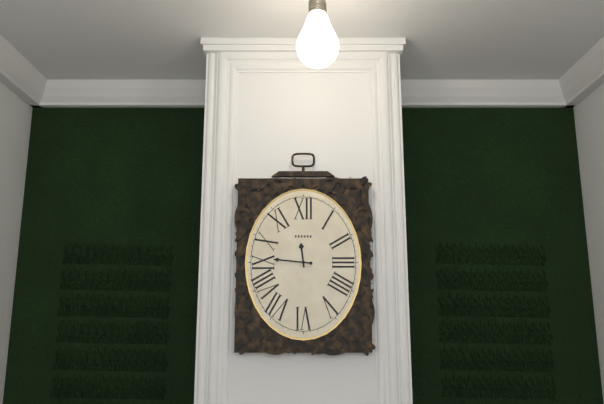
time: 11:46
